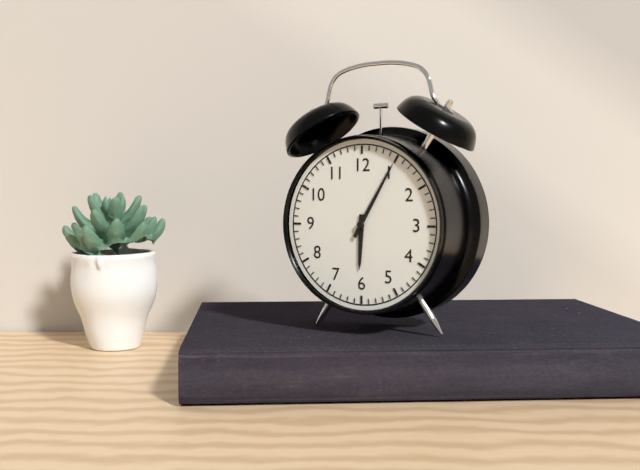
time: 6:05
